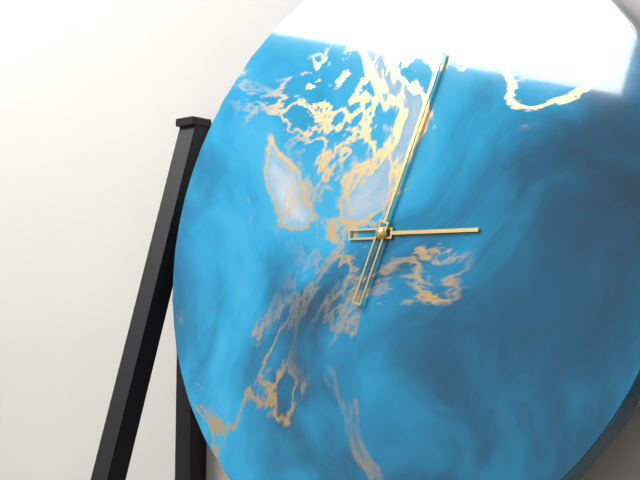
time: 3:03
